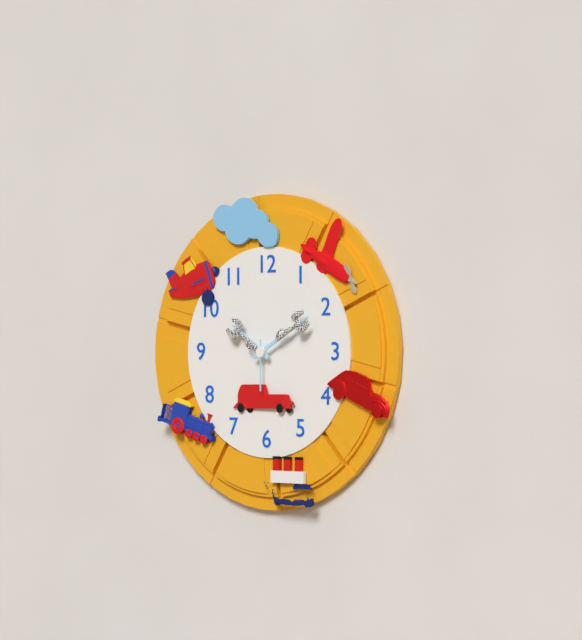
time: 10:10
